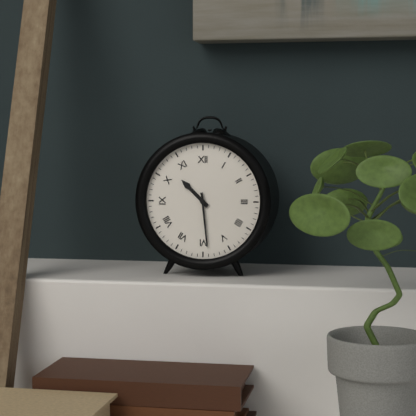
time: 10:29
